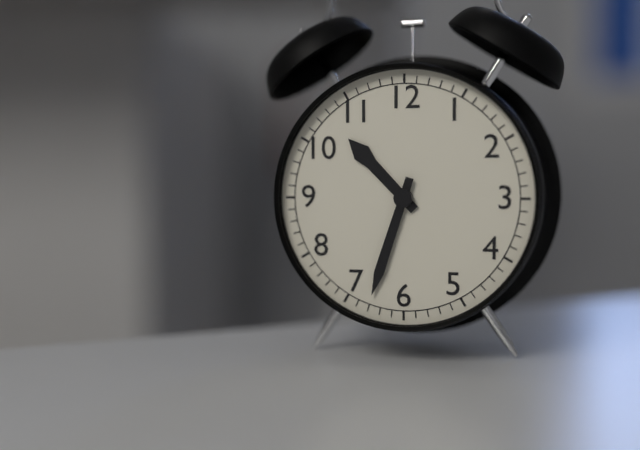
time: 10:33
